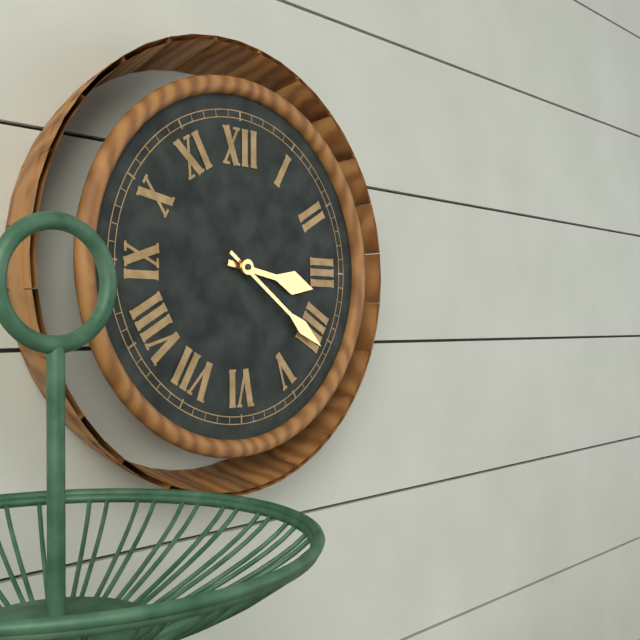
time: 3:21
